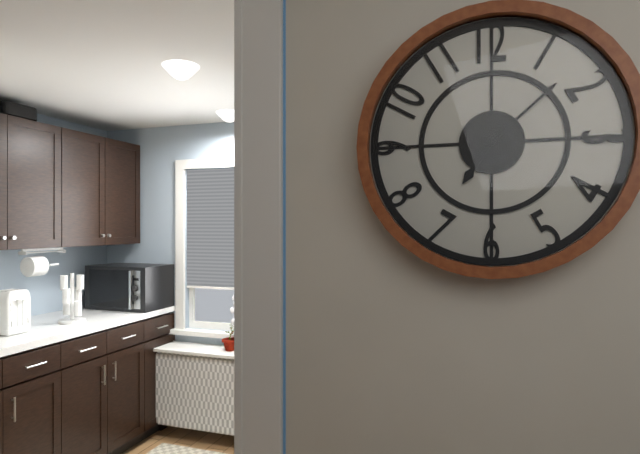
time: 7:08
